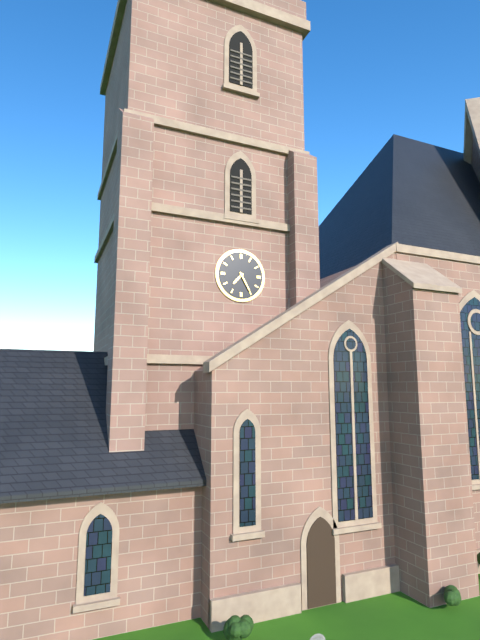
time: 7:25
